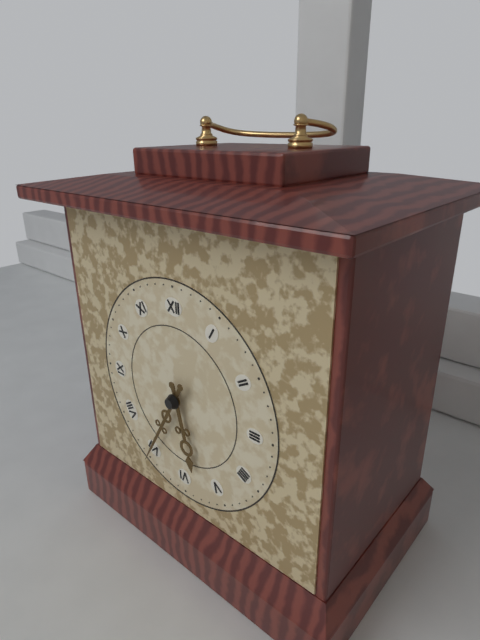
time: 5:35
